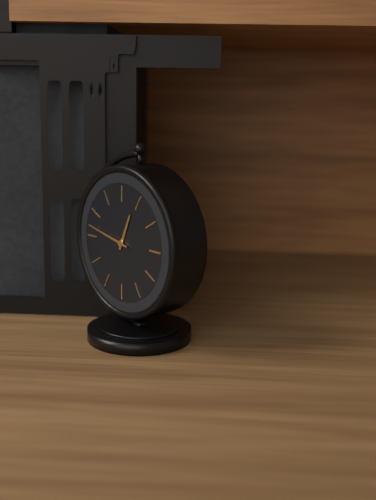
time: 12:47
